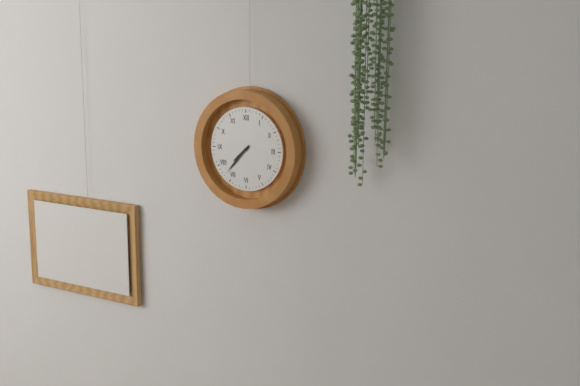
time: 7:37
